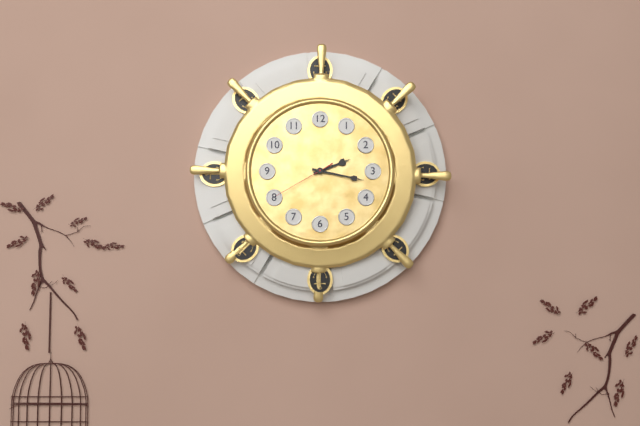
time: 2:17:40
